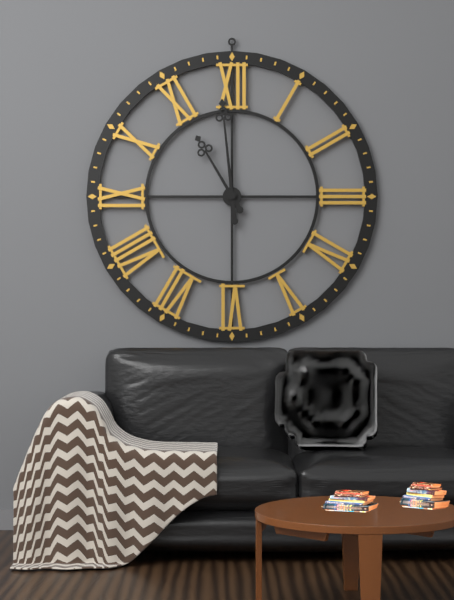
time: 10:59
